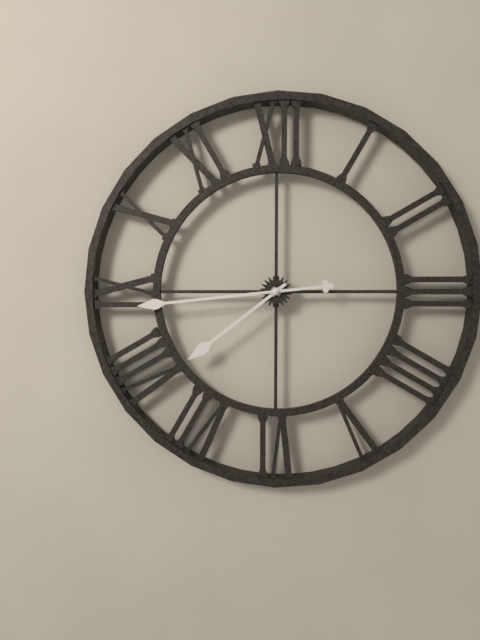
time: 7:44
